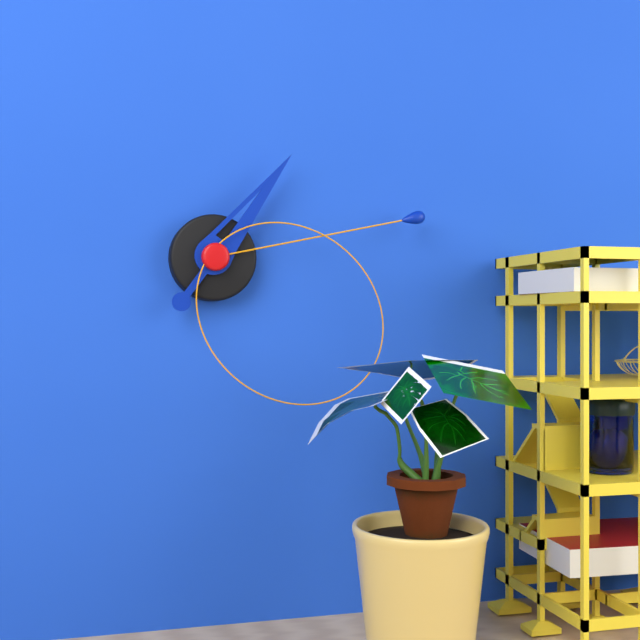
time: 1:13:21
